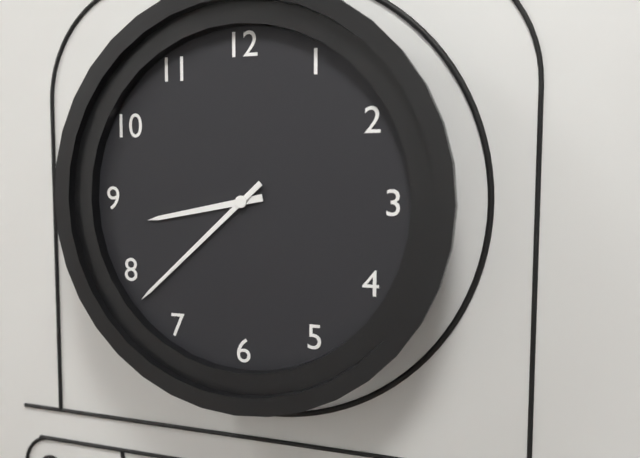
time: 8:38
